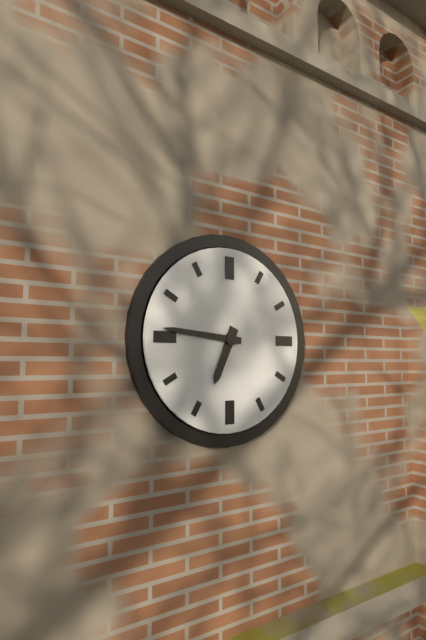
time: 6:46
